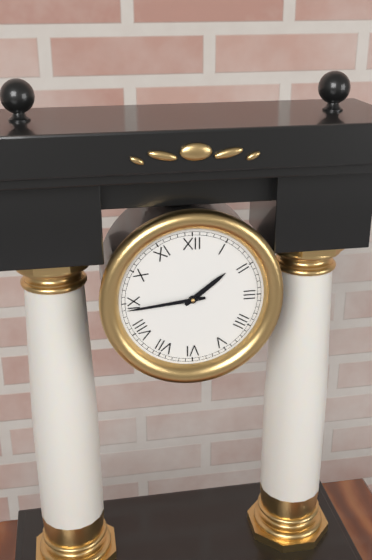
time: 1:44
